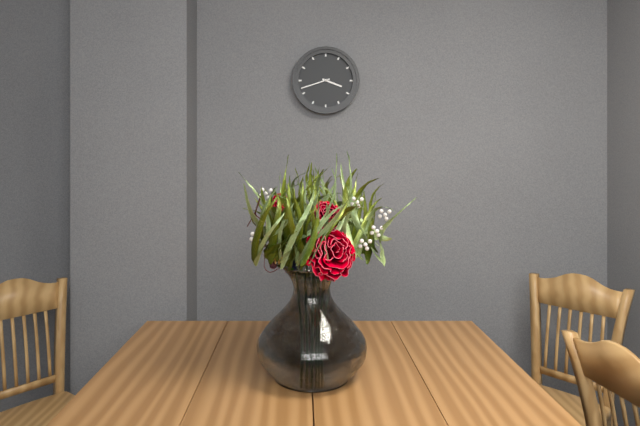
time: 3:42
